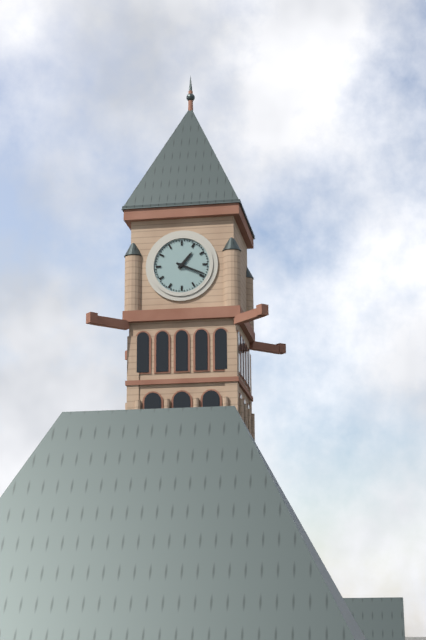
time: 1:19
